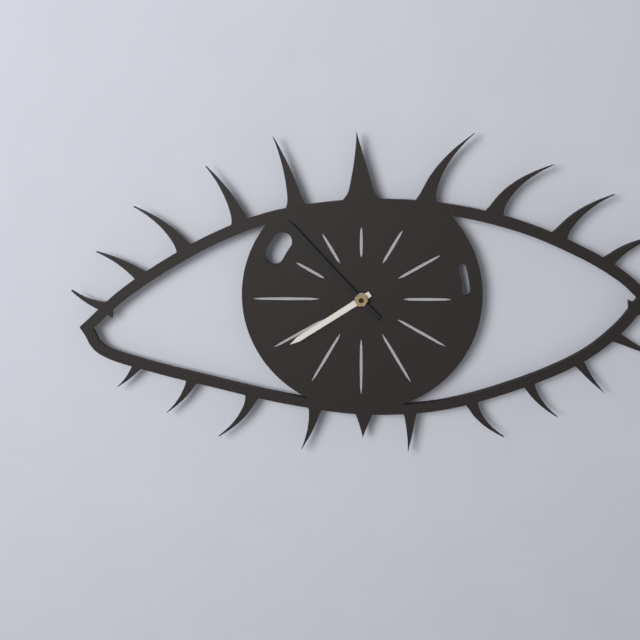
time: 7:53
